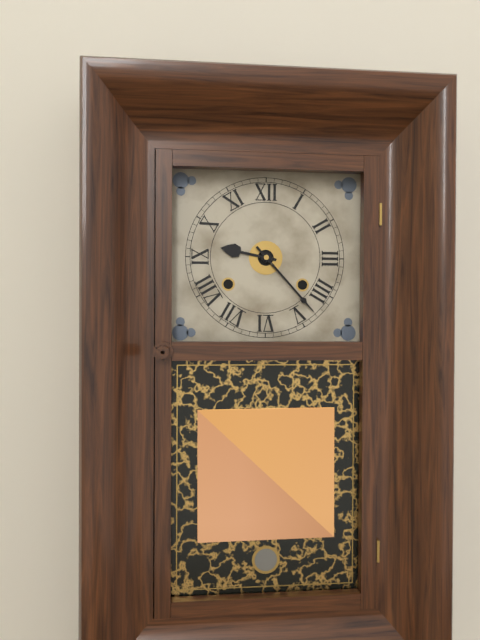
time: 9:23
